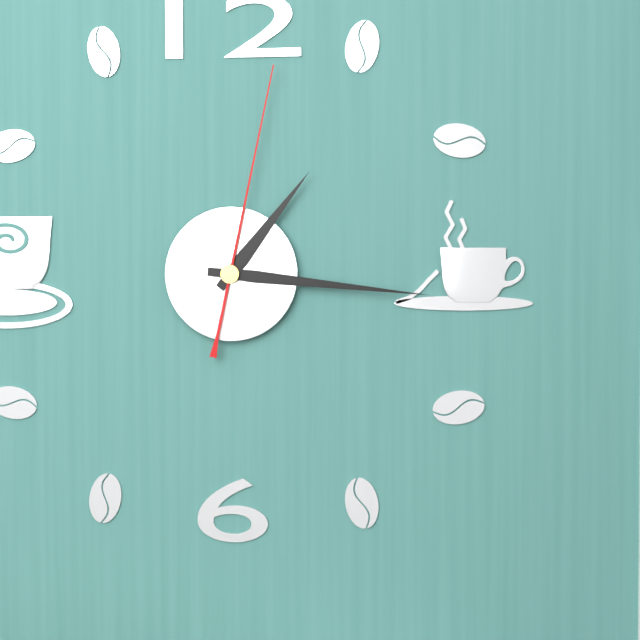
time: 1:16:02
